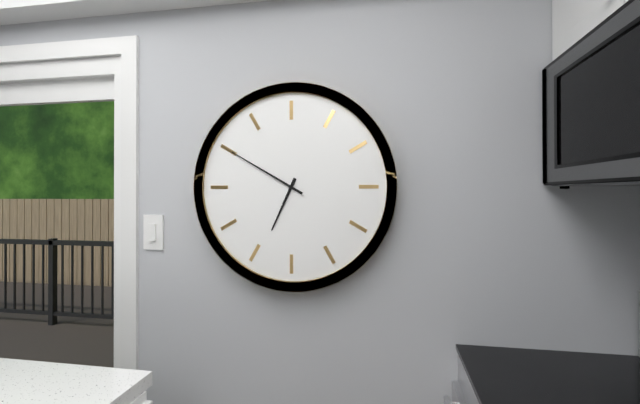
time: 6:50
